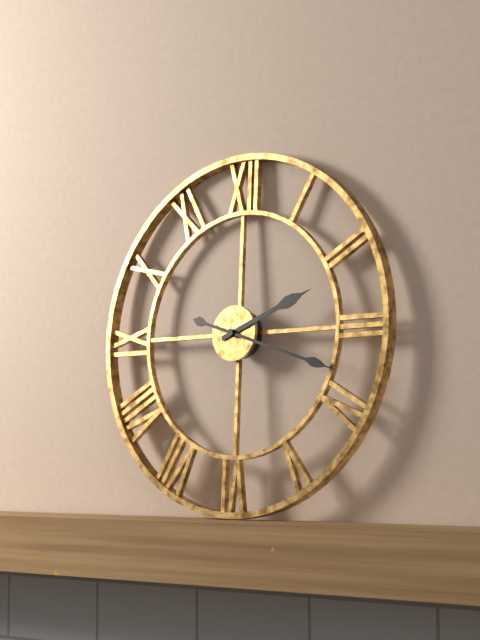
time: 2:18
